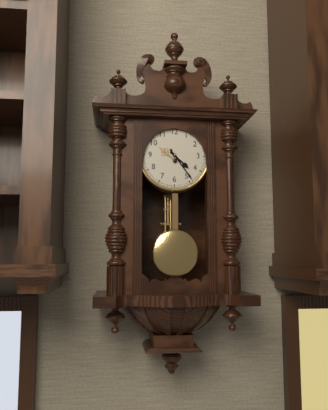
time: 4:24
